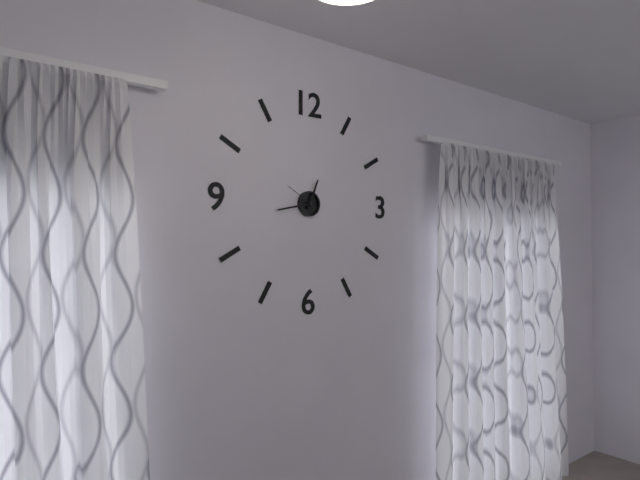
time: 12:43
